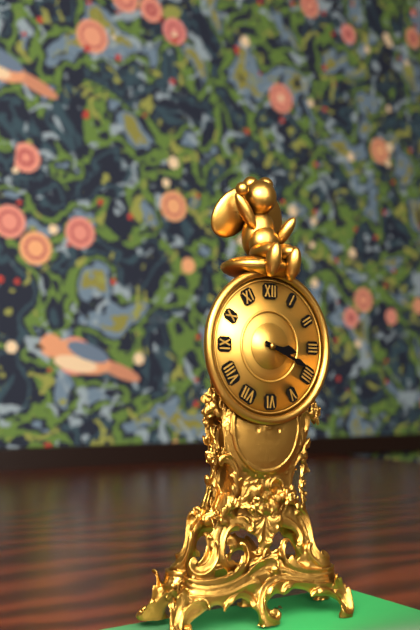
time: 3:19
